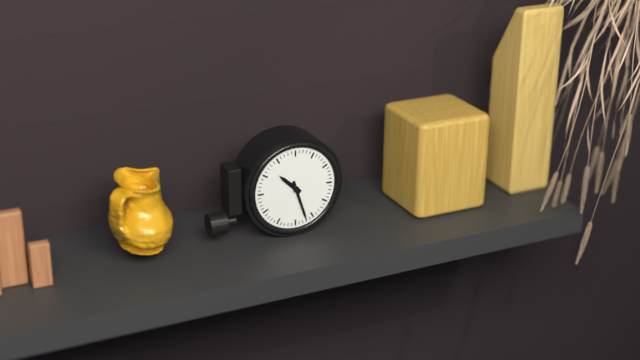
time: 10:27
